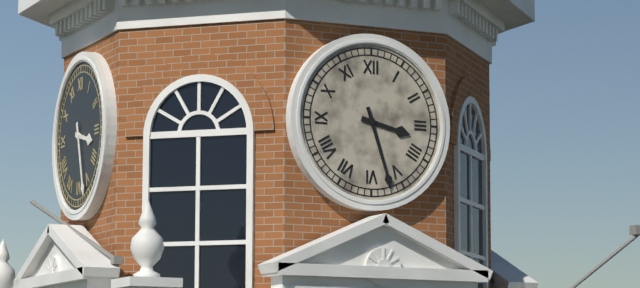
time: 3:27
